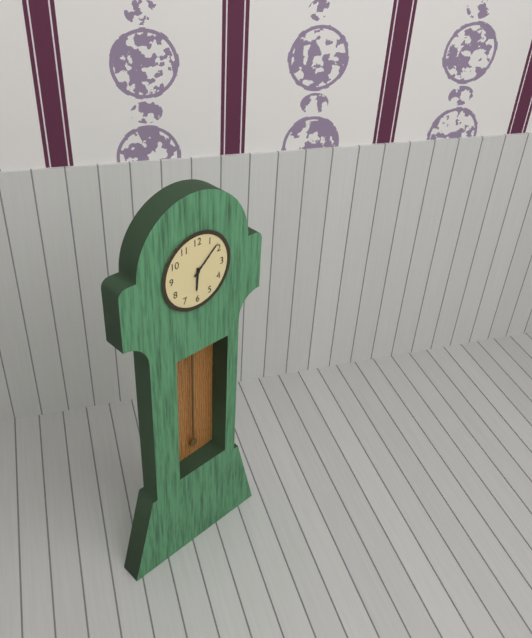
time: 6:08
